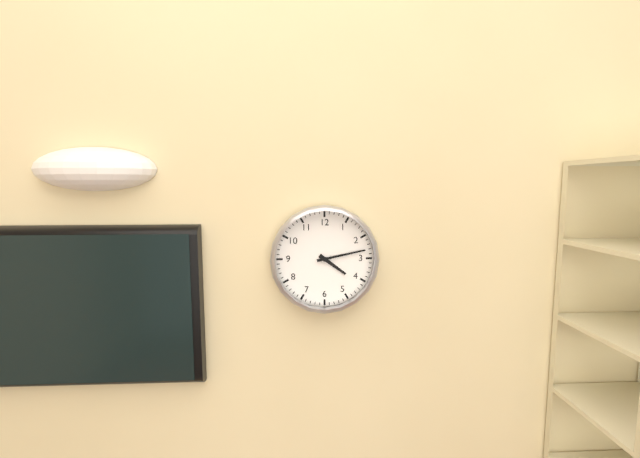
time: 4:13
